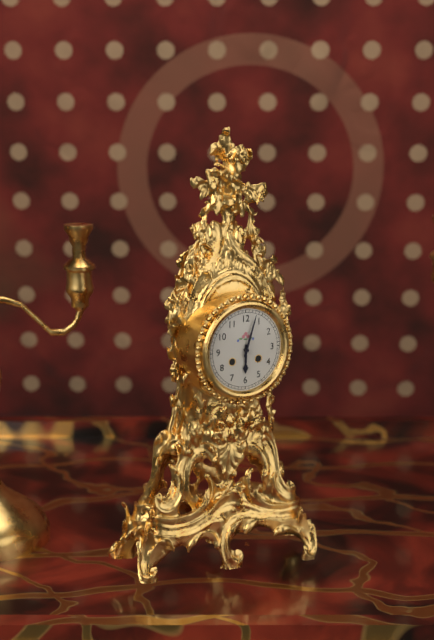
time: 6:03
